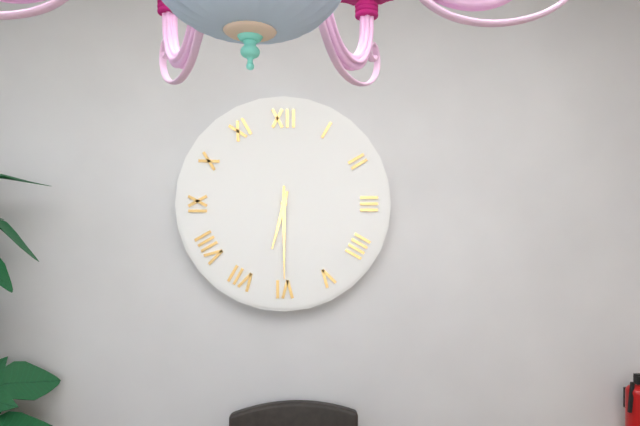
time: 6:30
